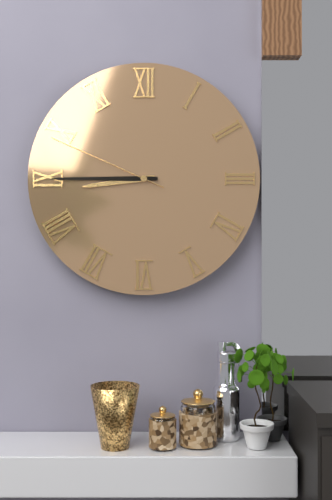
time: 8:45:49
